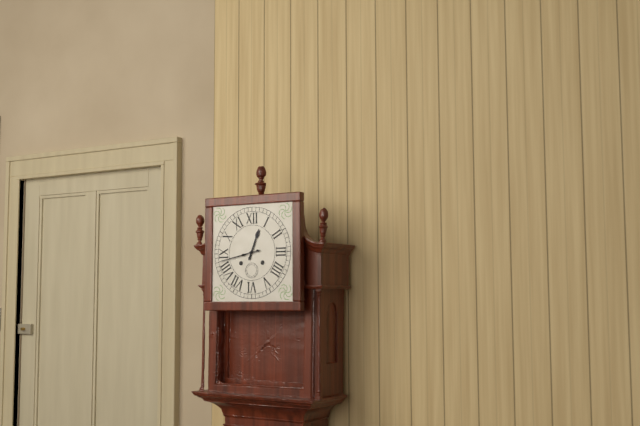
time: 12:43
